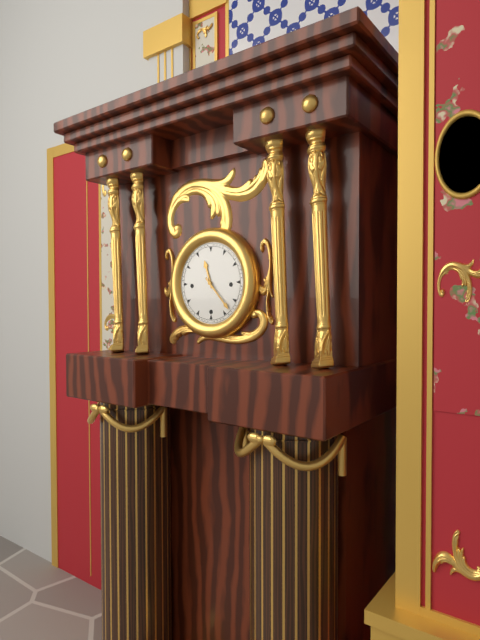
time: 11:23
